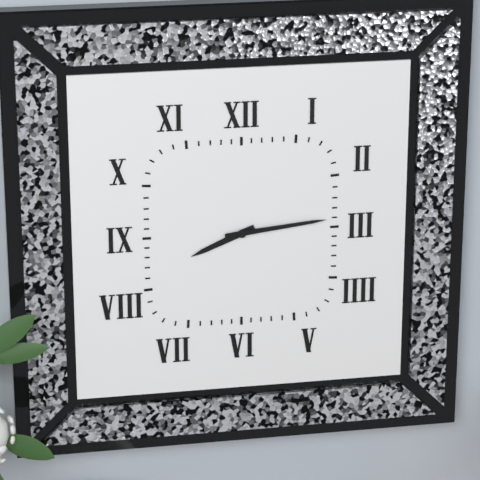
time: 8:14
